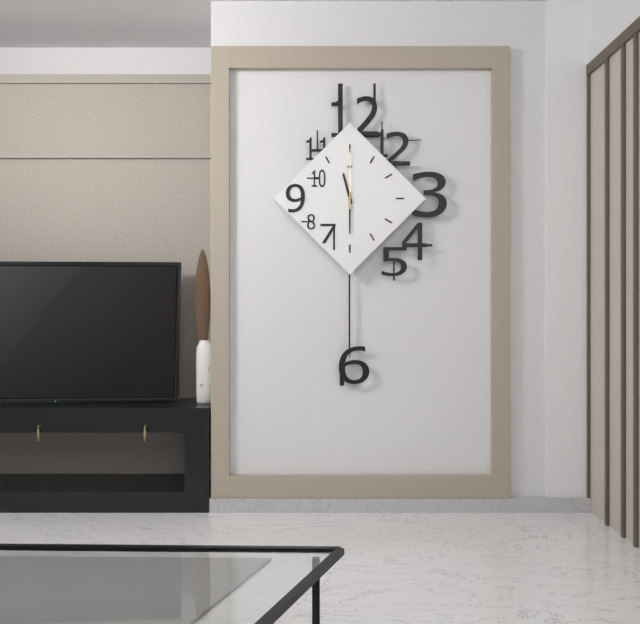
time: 11:30:00
